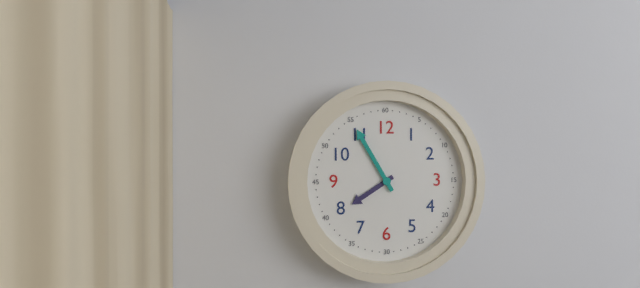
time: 7:55
